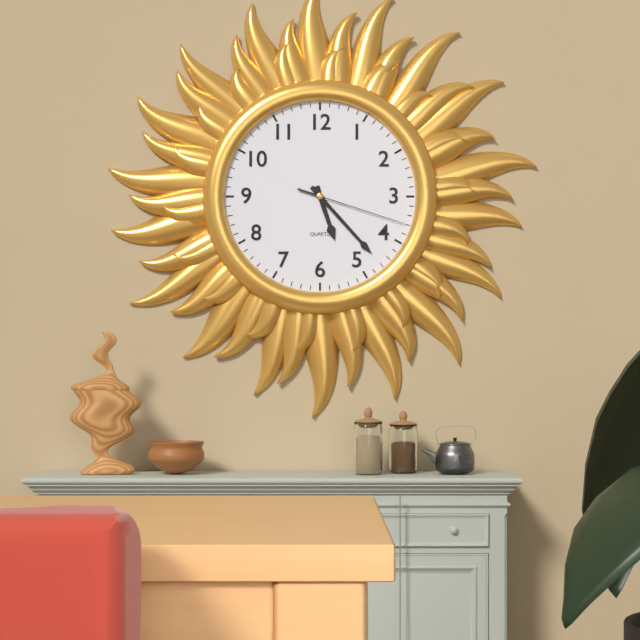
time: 5:23:18
